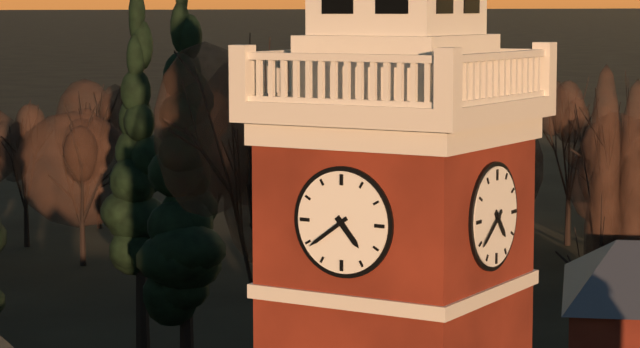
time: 4:39
